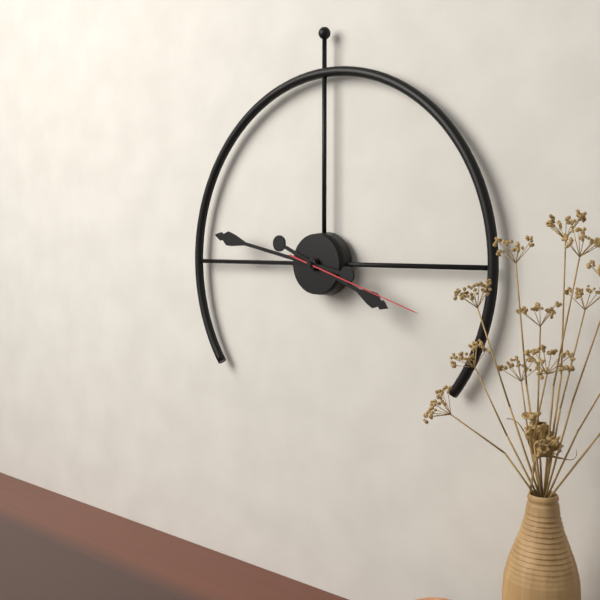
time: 3:47:18
